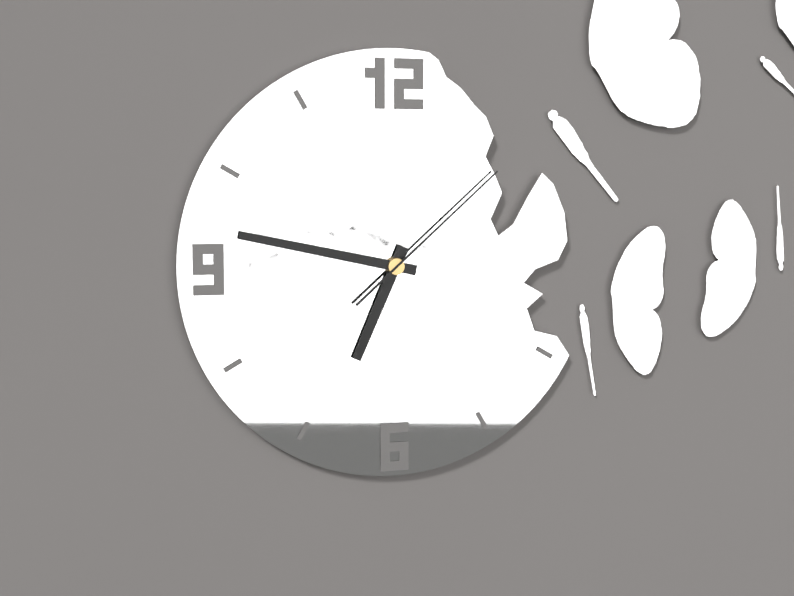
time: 6:47:08
